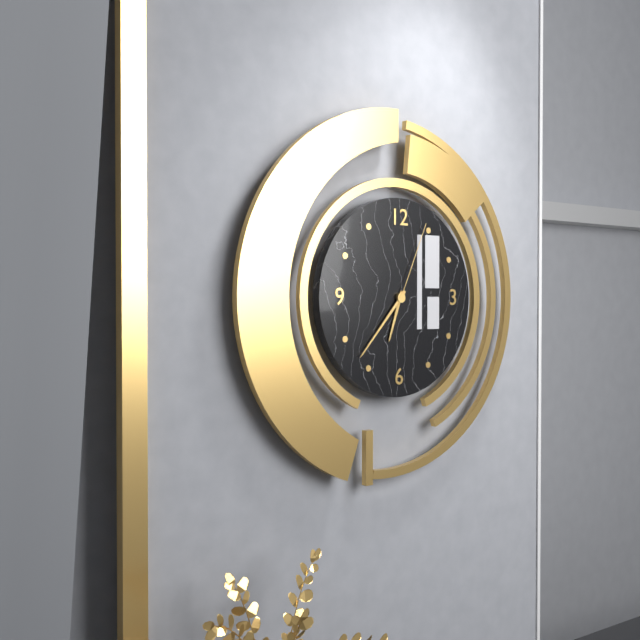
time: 6:37:04
